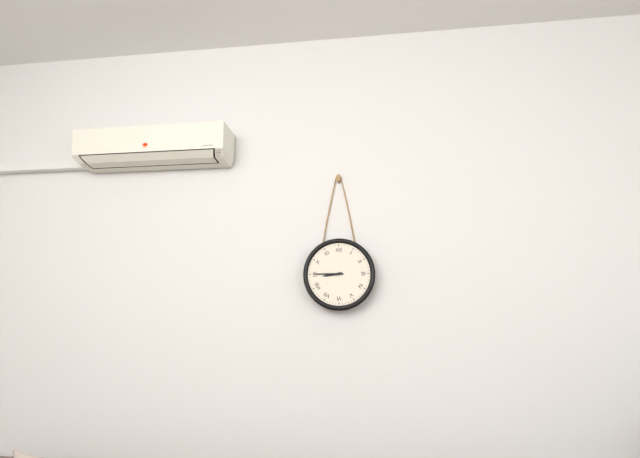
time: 8:45
